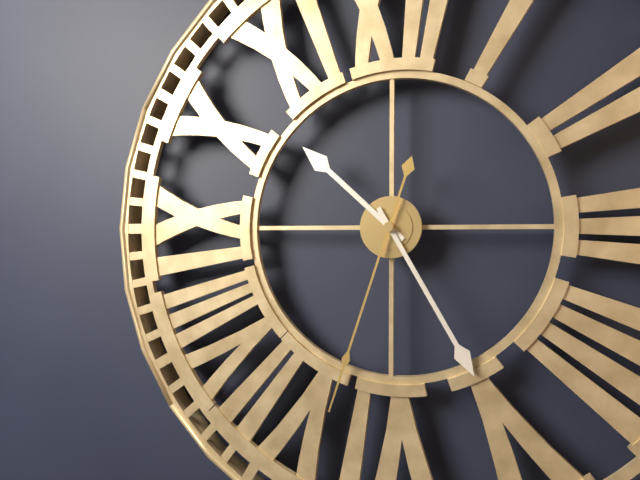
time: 10:25:33
